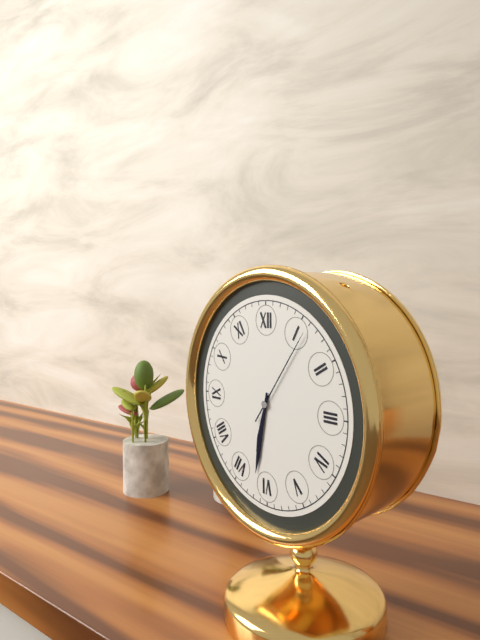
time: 6:32:06
